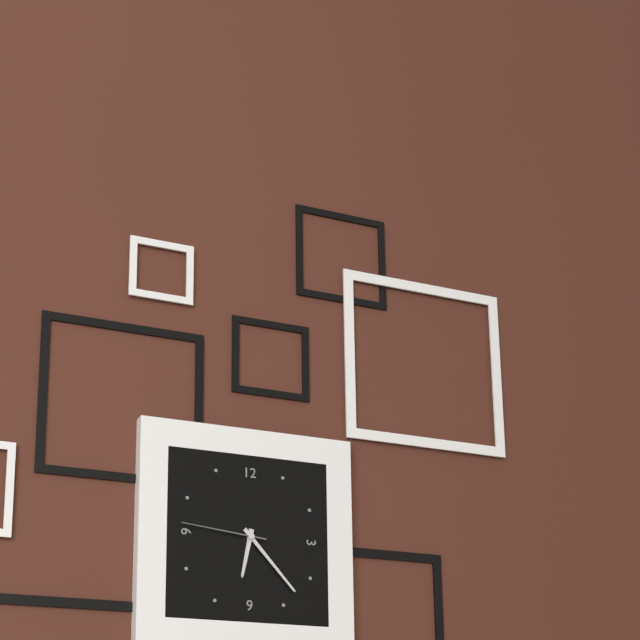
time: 6:23:46
